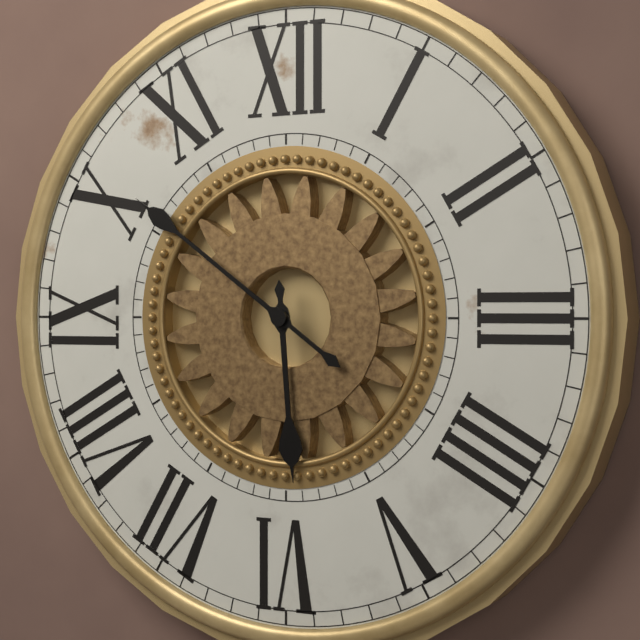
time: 5:51
